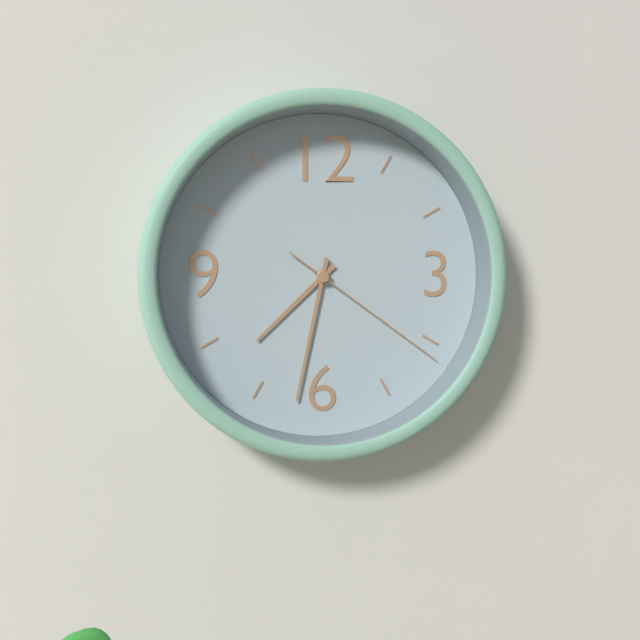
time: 7:32:21
